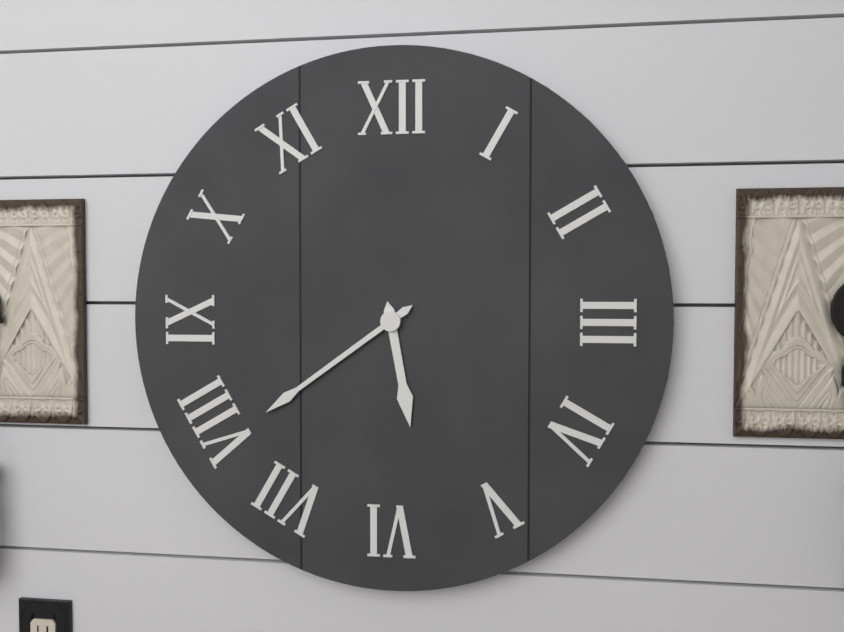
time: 5:39
